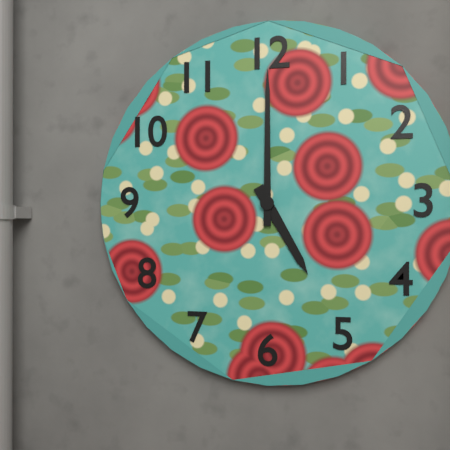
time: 5:00
